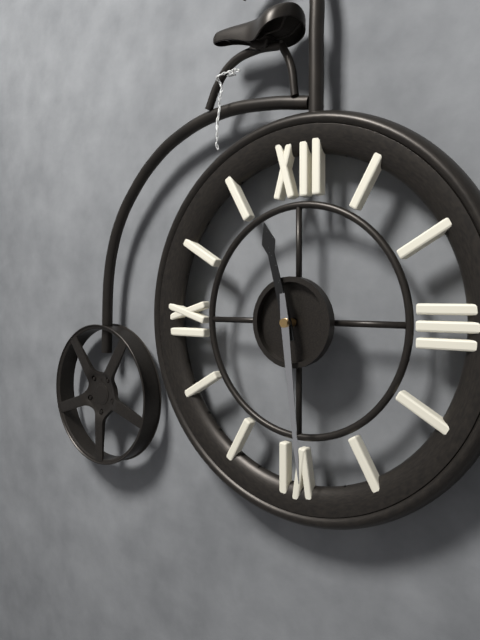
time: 11:29
